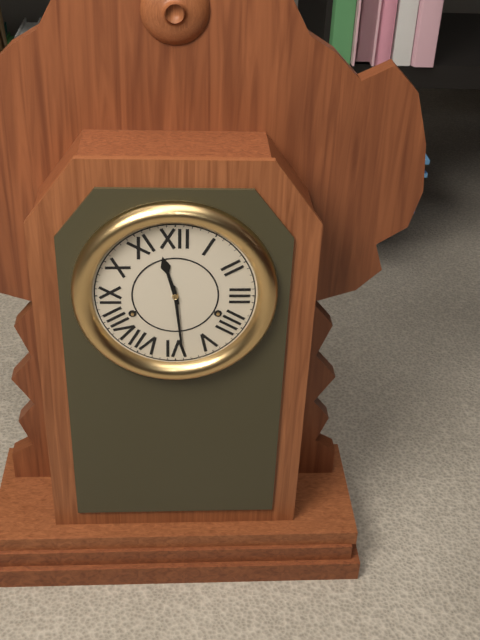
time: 11:29
